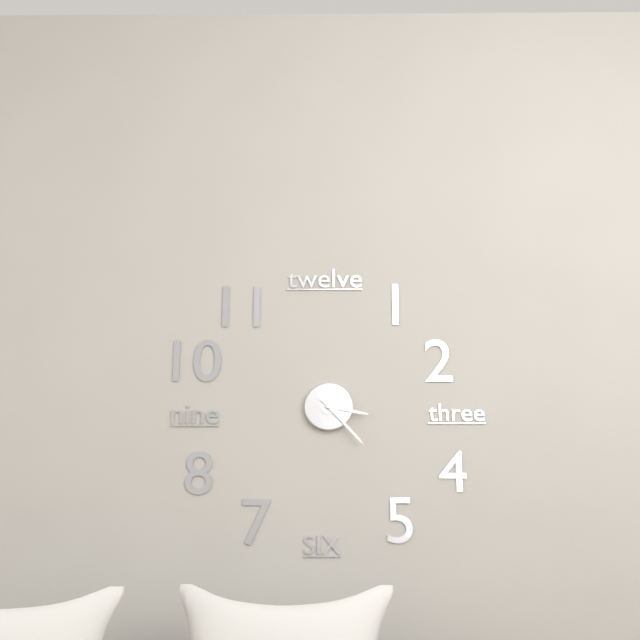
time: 3:23
